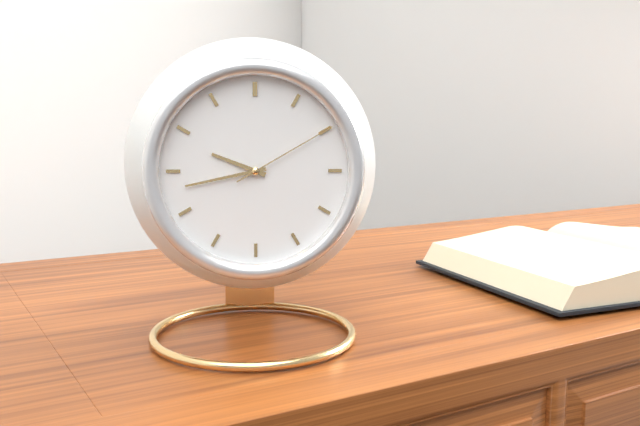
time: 9:43:10
